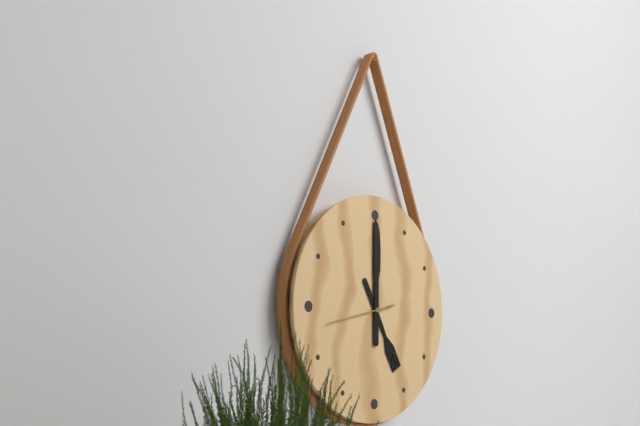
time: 5:00:43
